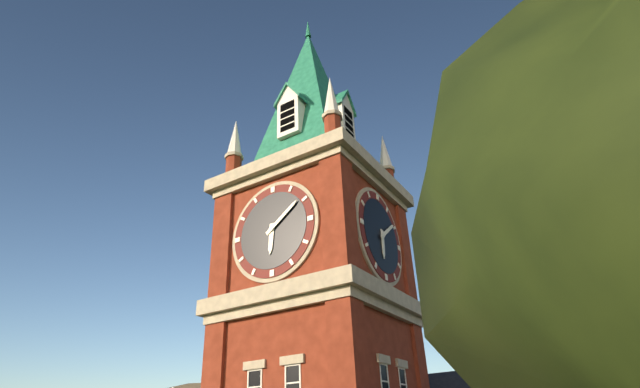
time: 6:09
